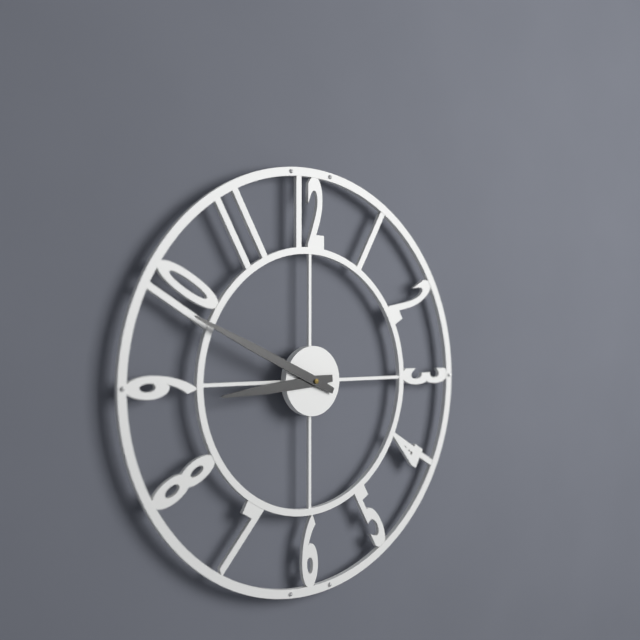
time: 8:49
